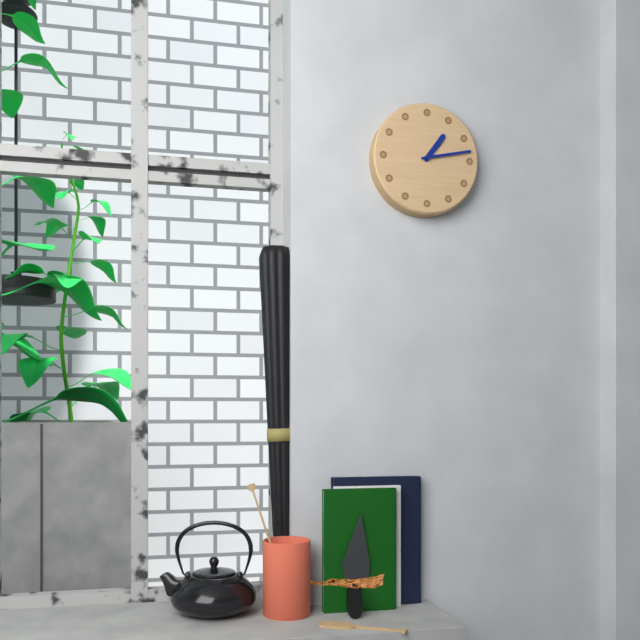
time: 1:13
